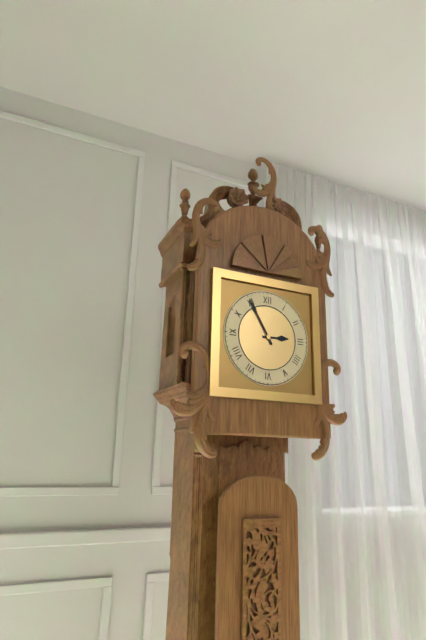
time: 2:55
